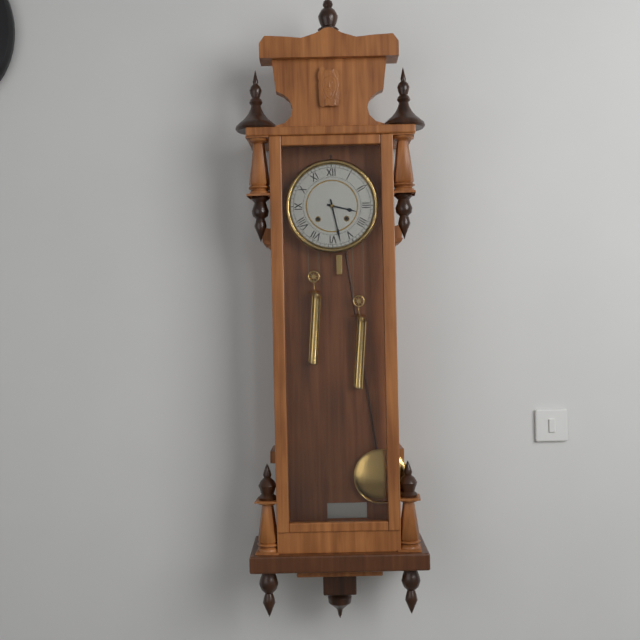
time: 3:28
